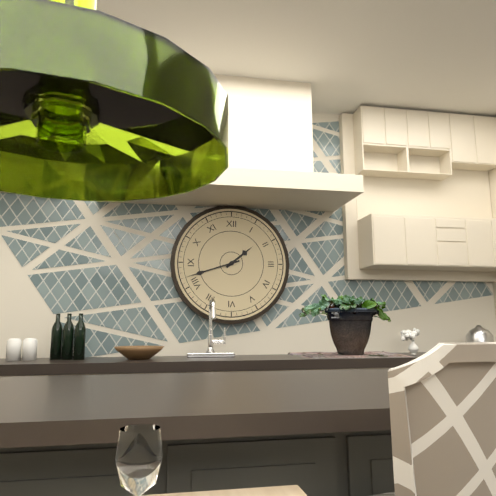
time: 1:42
